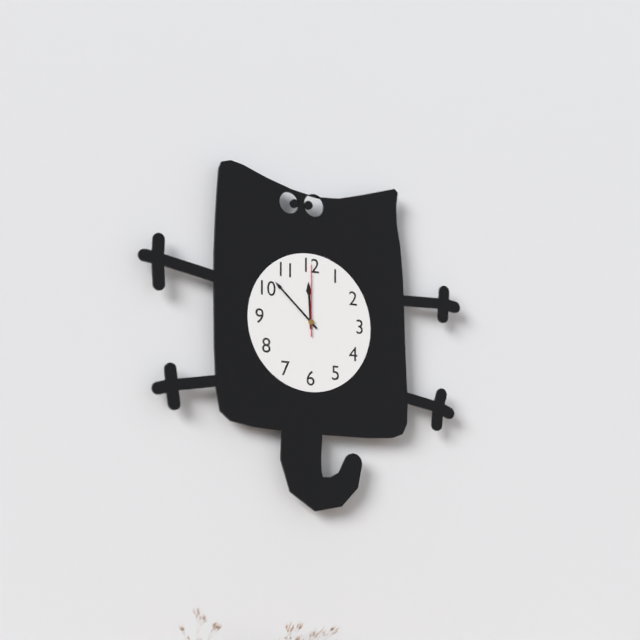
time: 11:52:00
